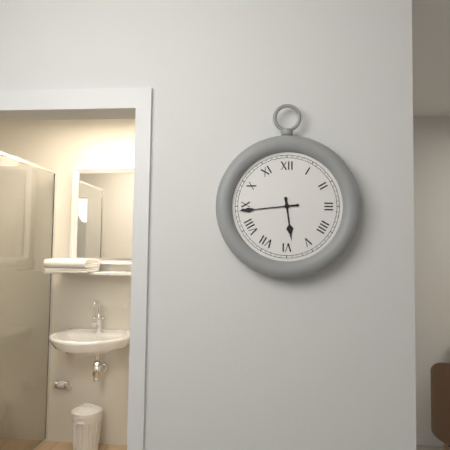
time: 5:44
